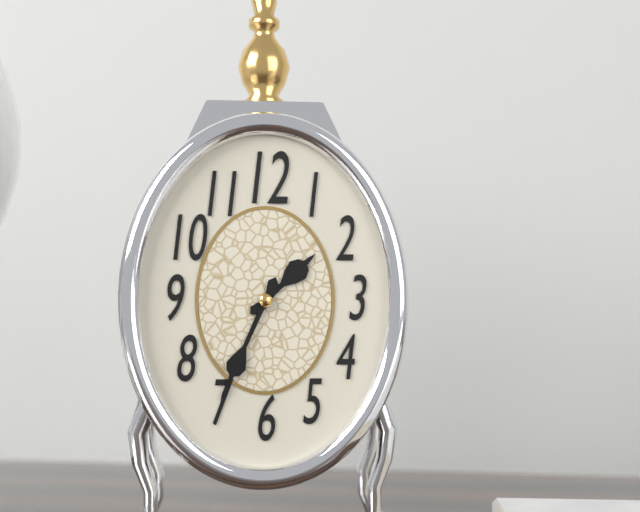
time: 1:34
